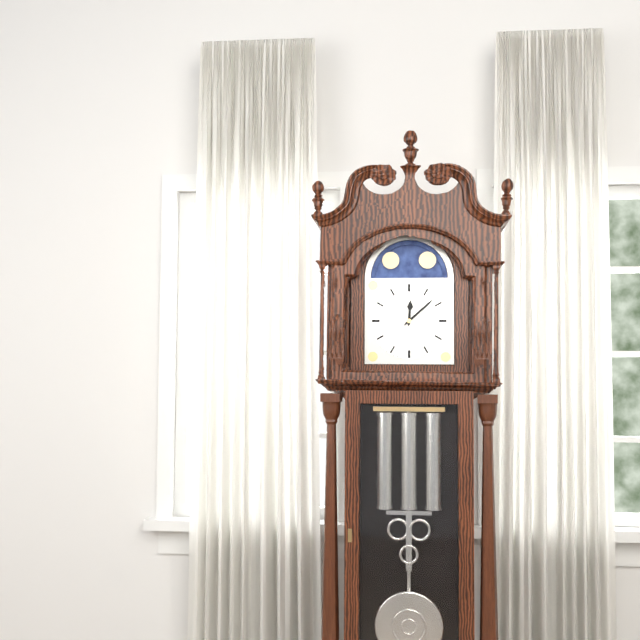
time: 12:08
